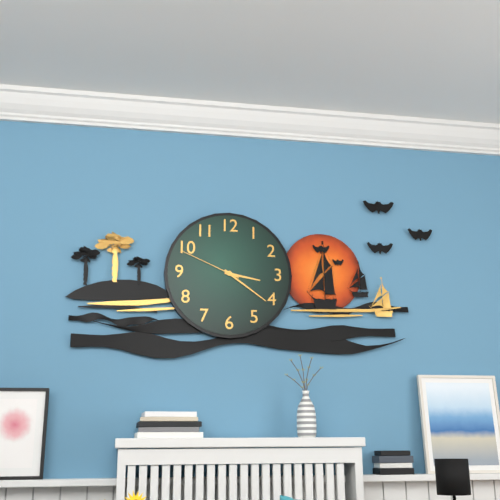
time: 3:21:49
